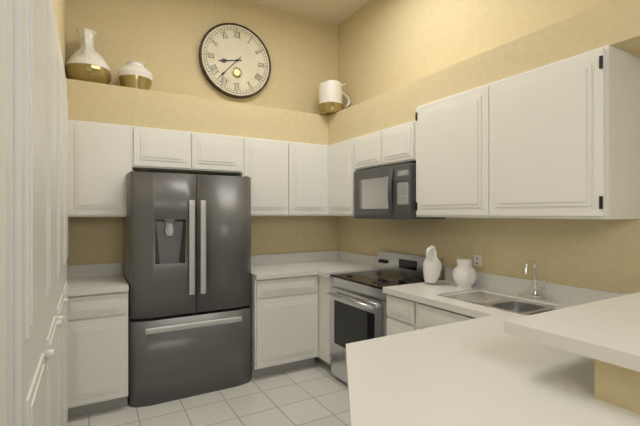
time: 8:37
